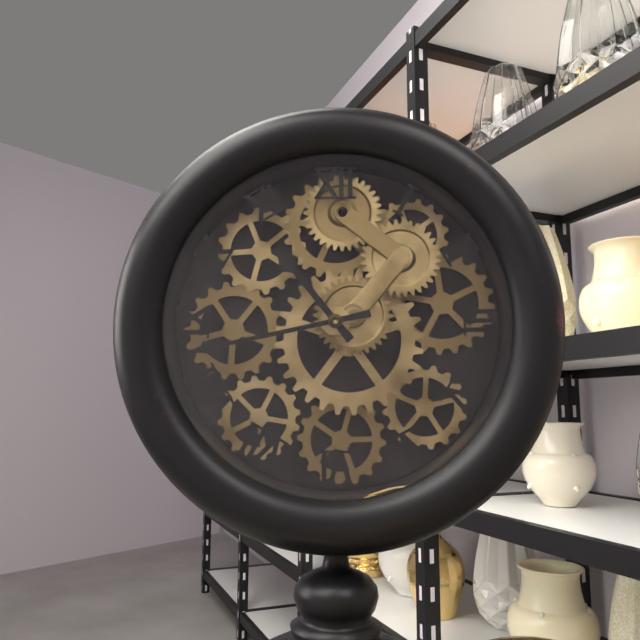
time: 10:43
